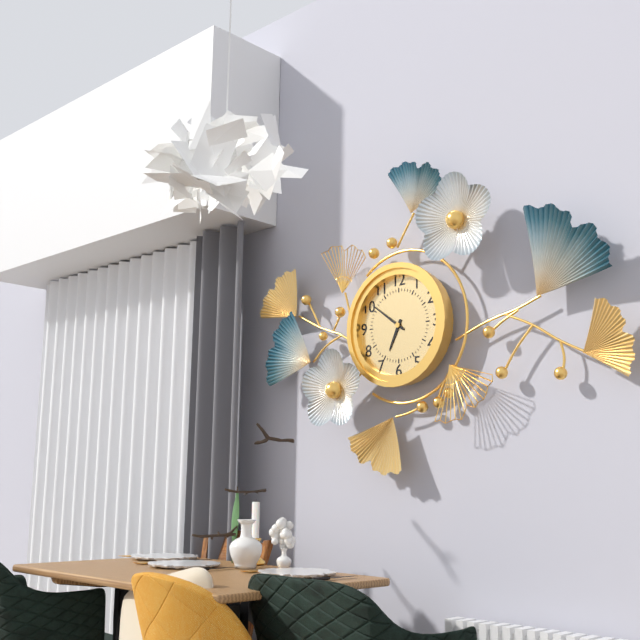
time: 6:51
